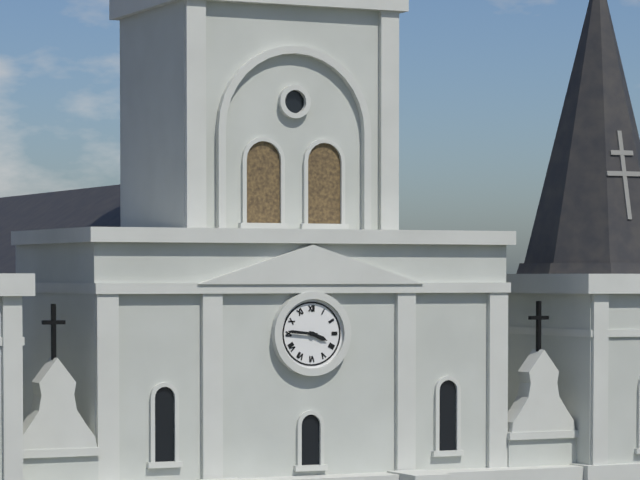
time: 3:46
